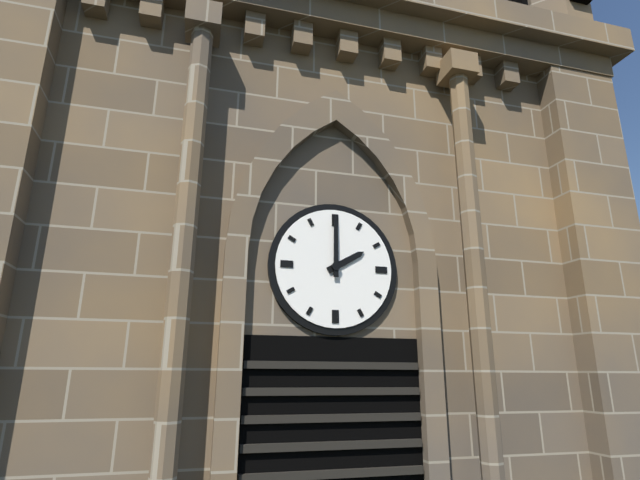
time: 2:00
